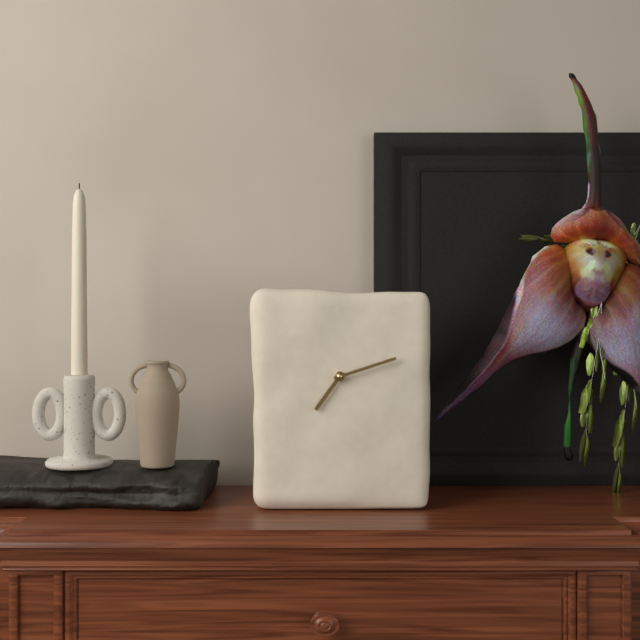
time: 7:12
